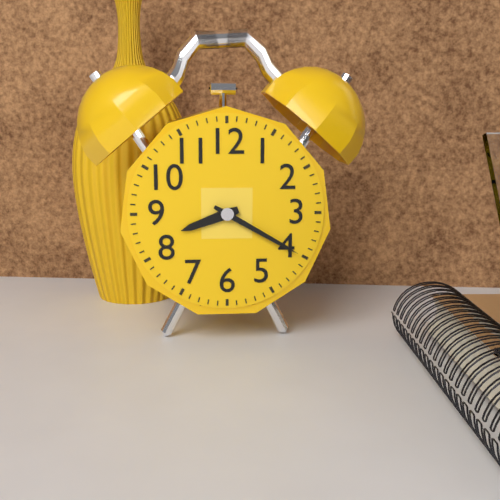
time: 8:20
